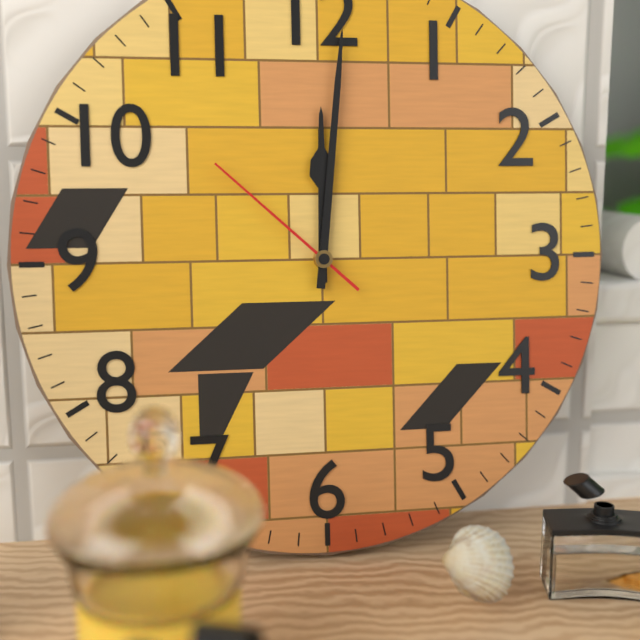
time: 12:01:52
